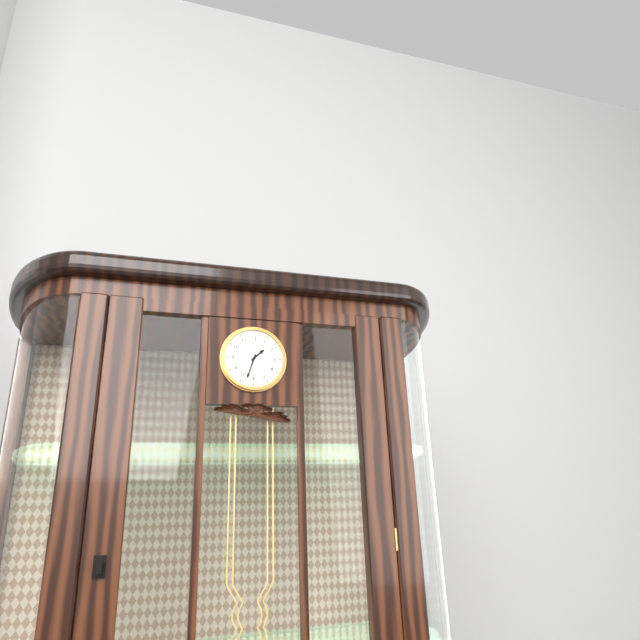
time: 1:33
